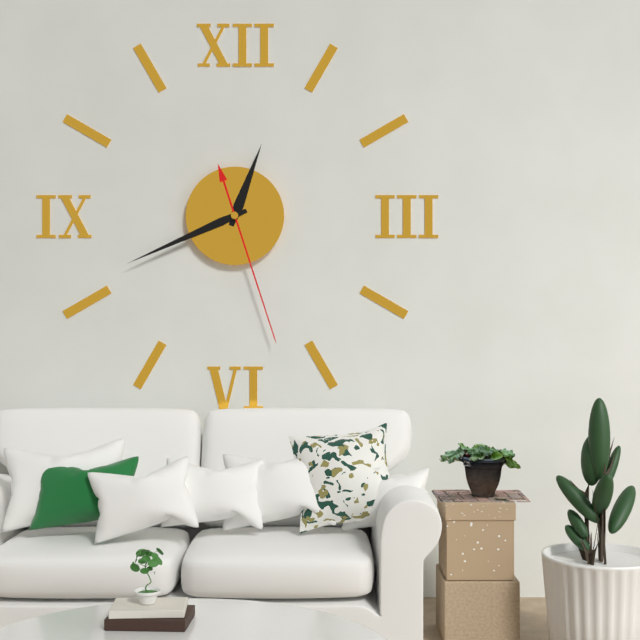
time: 12:41:27
